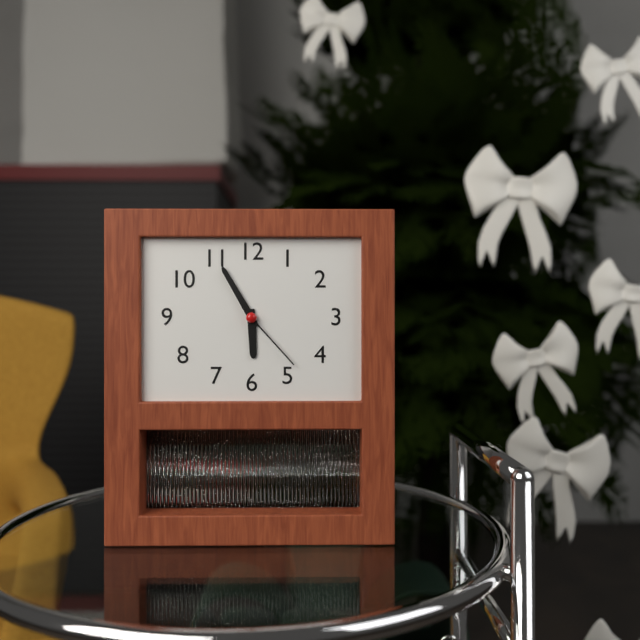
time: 5:55:23
